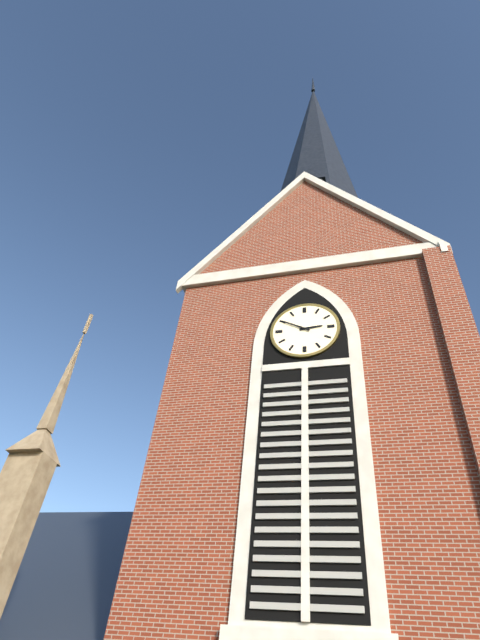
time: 2:50
